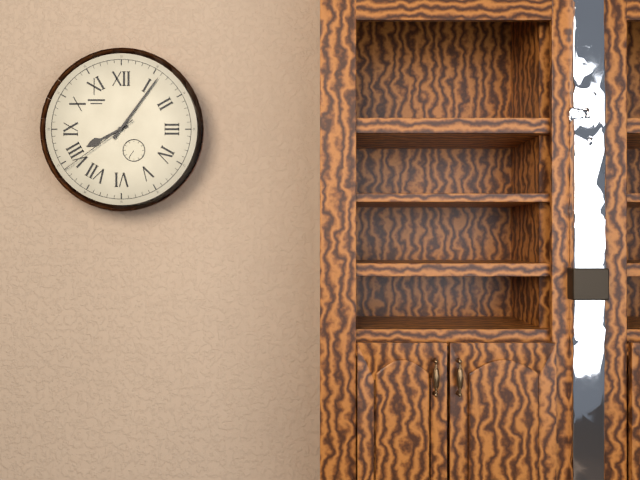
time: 8:06:39
